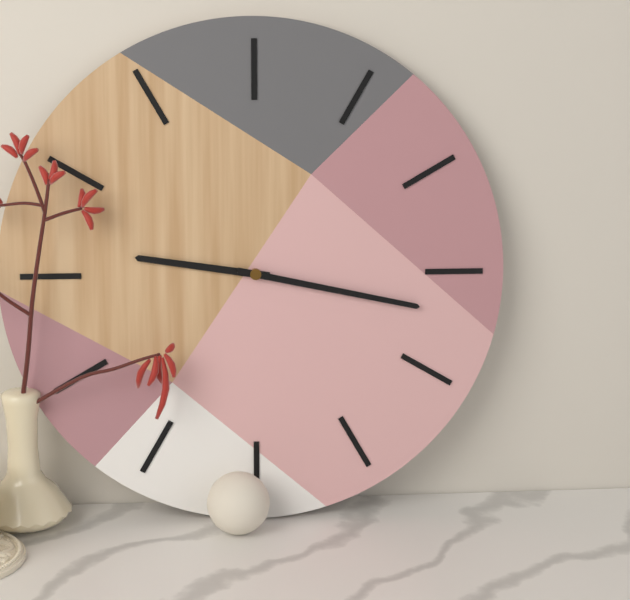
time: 9:17
